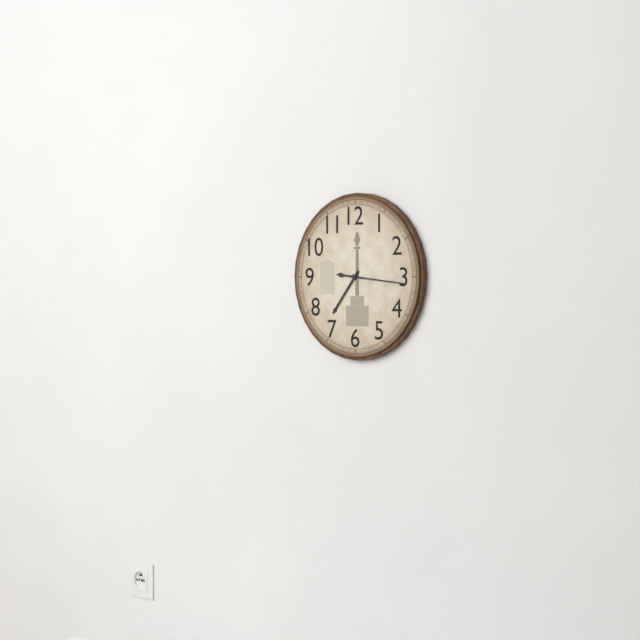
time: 7:16
